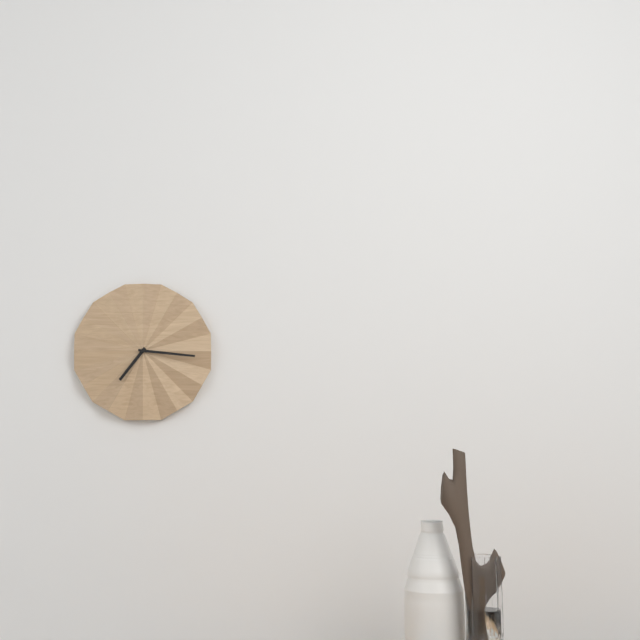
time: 7:16
